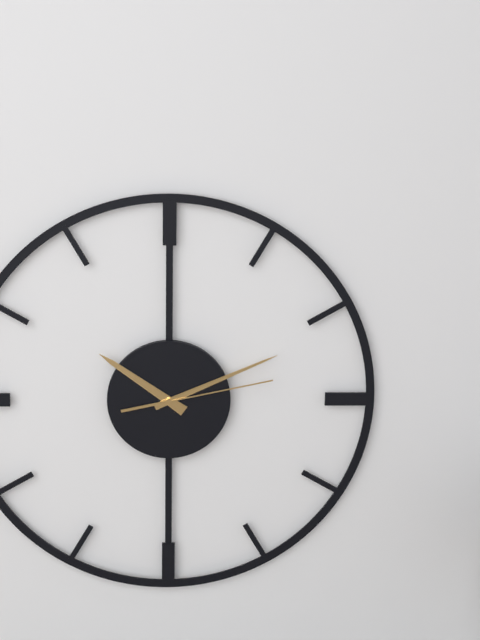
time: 10:11:13
